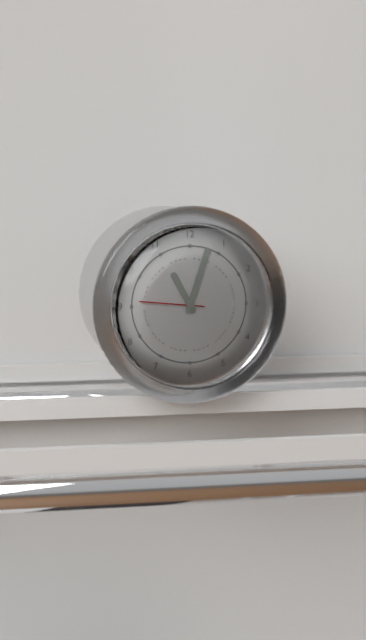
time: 11:03:46
